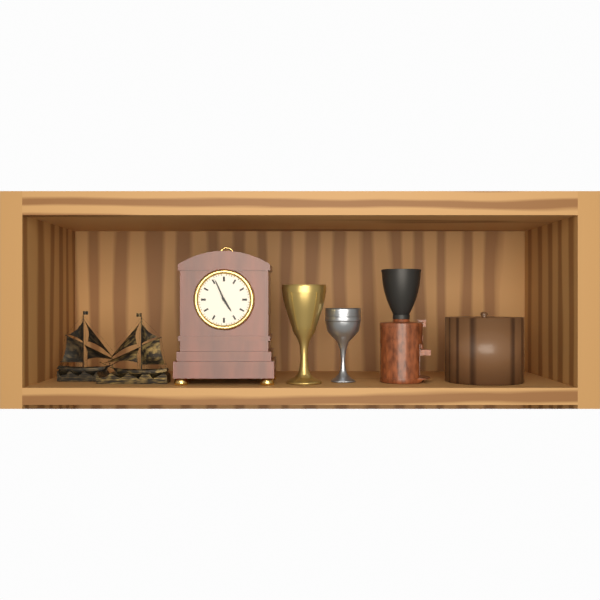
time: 4:56
